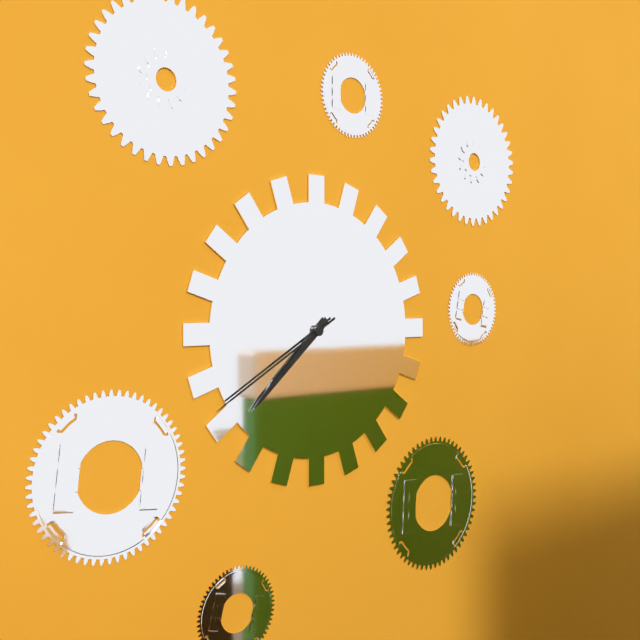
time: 7:38:40
